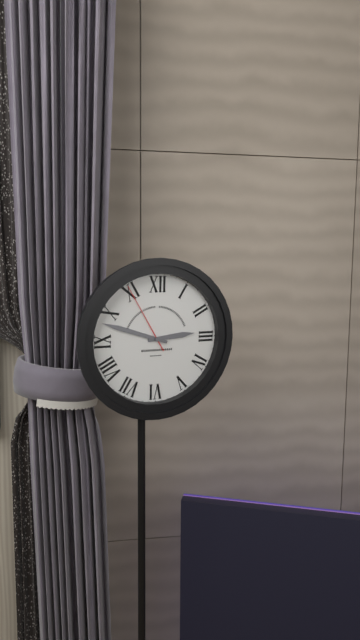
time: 2:48:55
